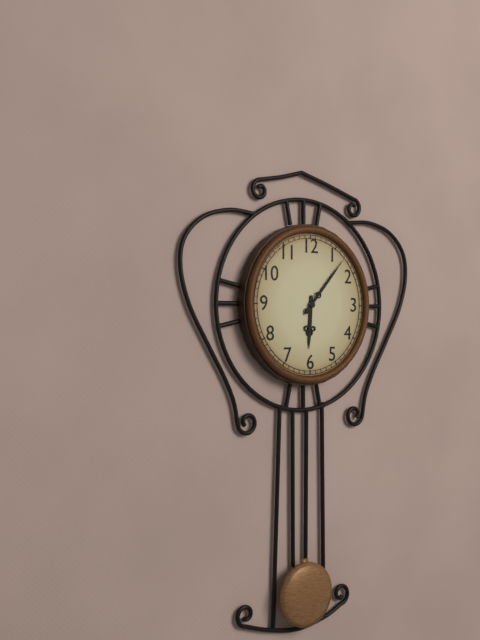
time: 6:07
